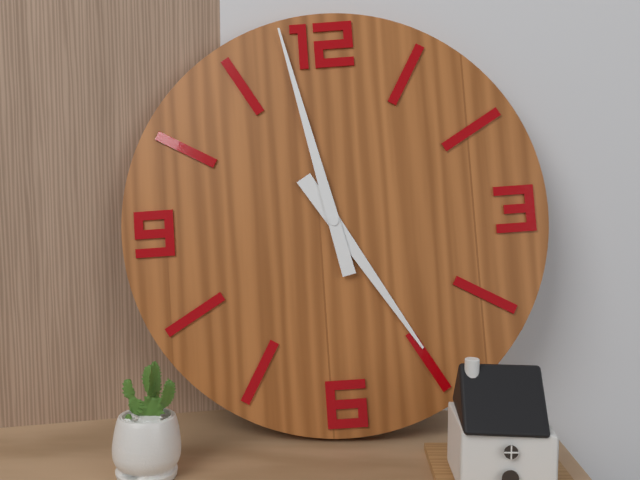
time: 4:58
